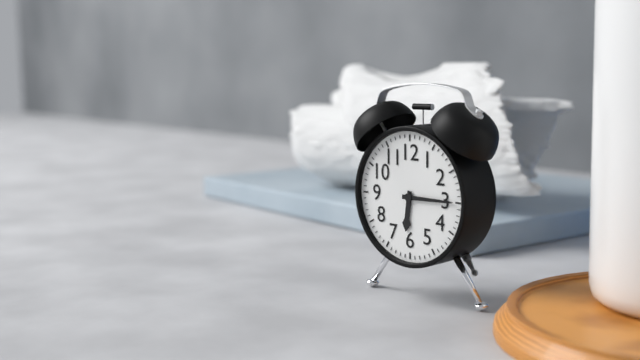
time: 6:15
